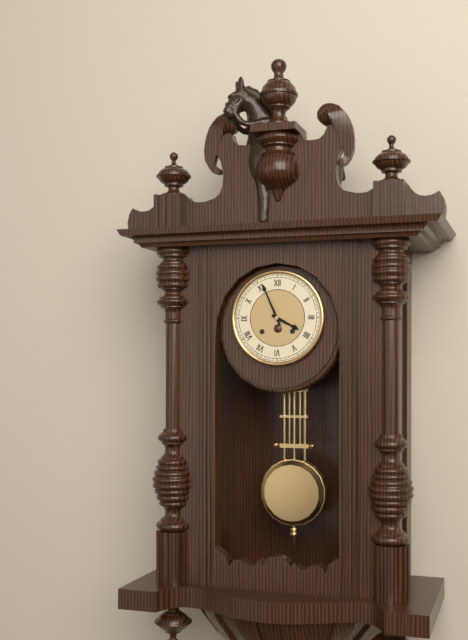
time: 3:56
